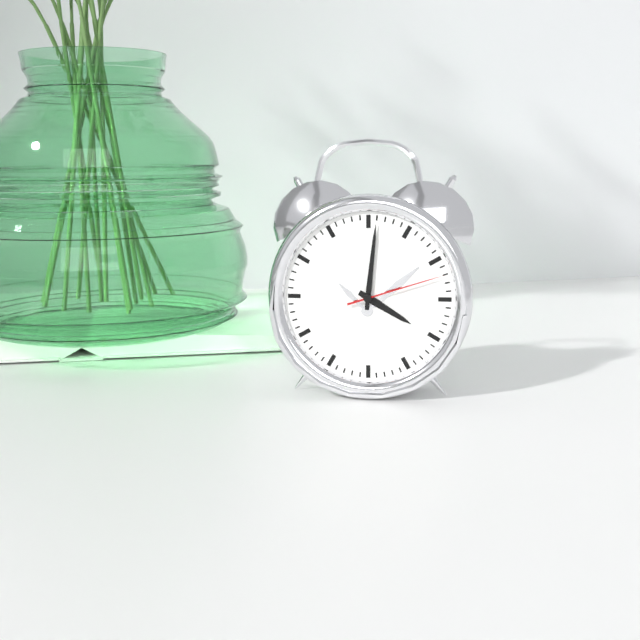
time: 4:01:12
